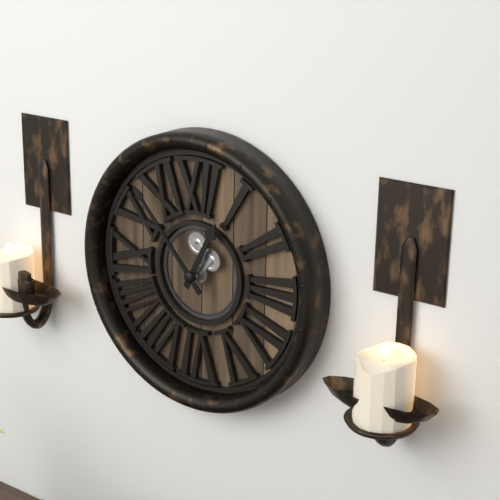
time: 12:53
